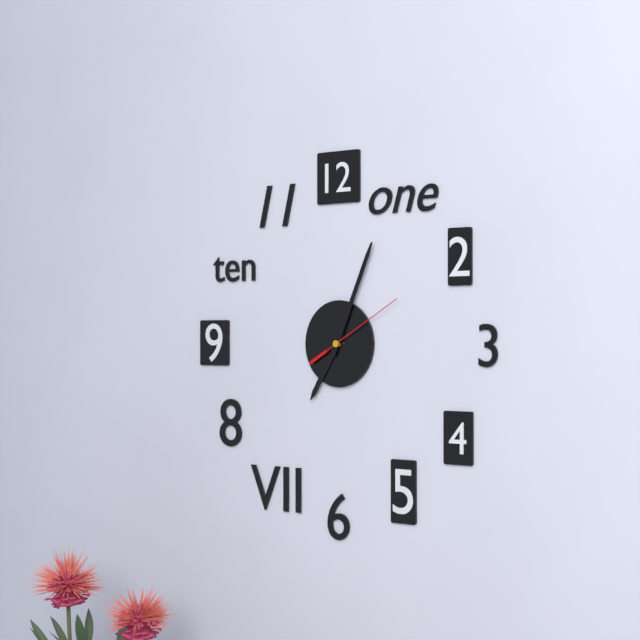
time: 7:04:10
